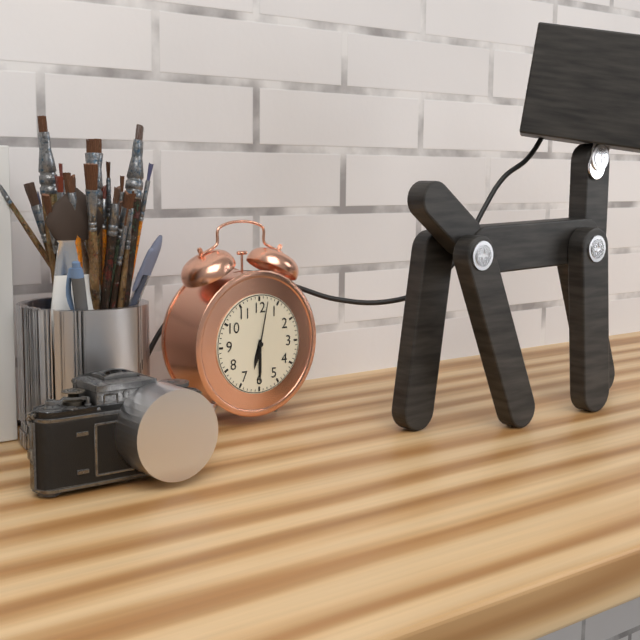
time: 6:30:02
